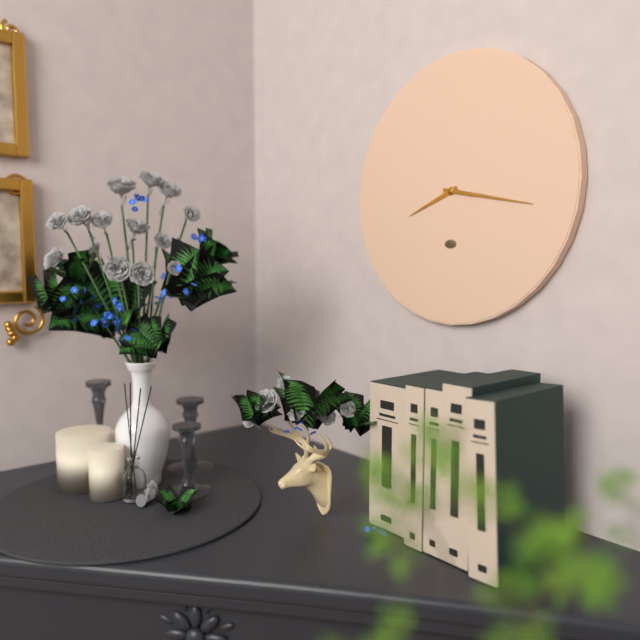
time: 8:17
